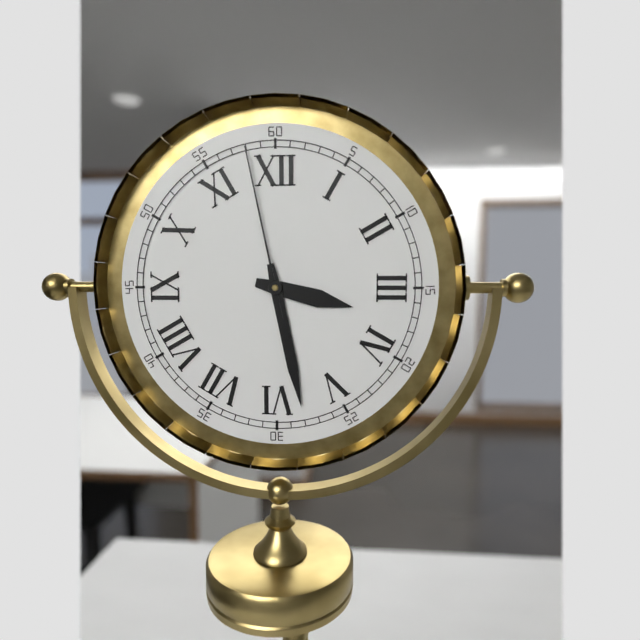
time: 3:28:58
